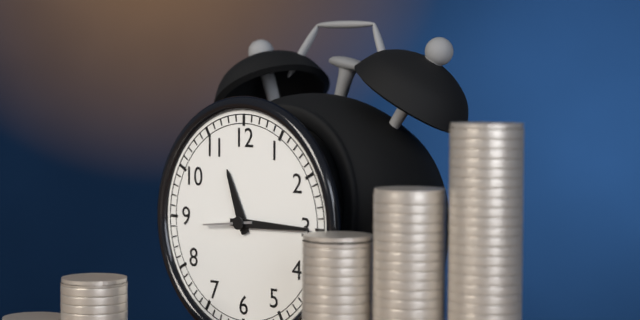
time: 11:15
